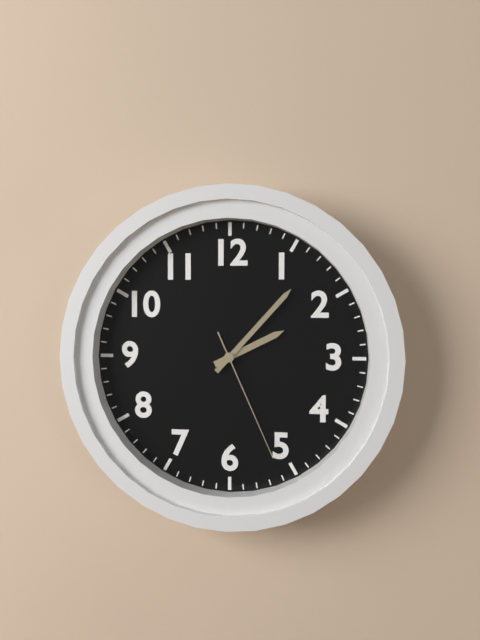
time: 2:07:26
